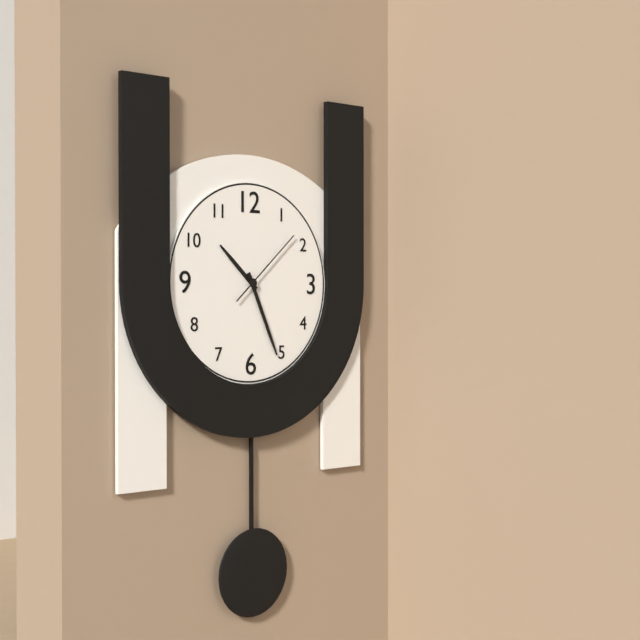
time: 10:26:08
